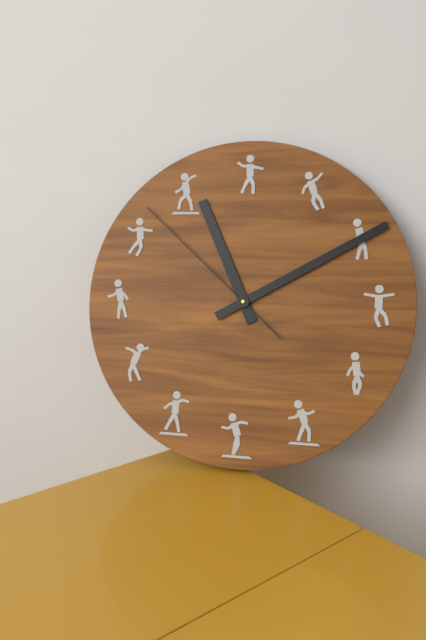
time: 11:10:52
